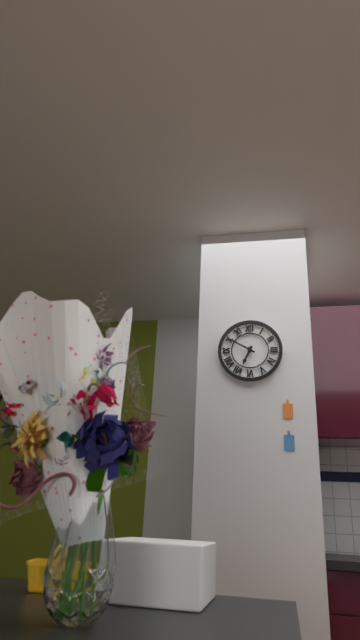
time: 6:50
